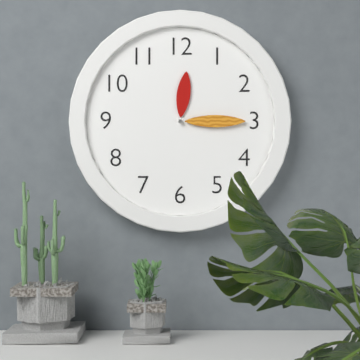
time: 12:15
